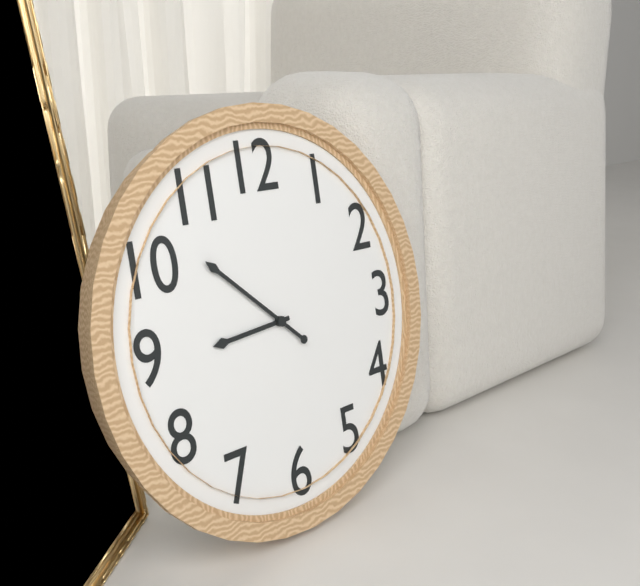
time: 8:52
